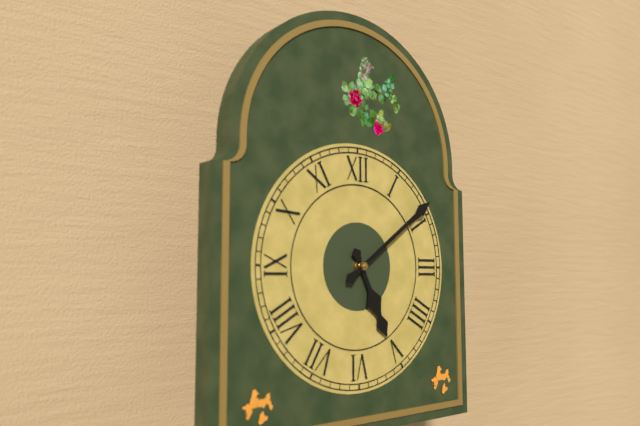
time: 5:09
